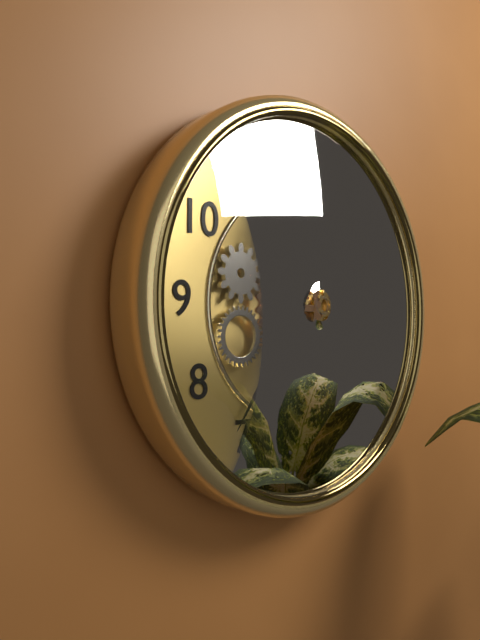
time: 5:36
